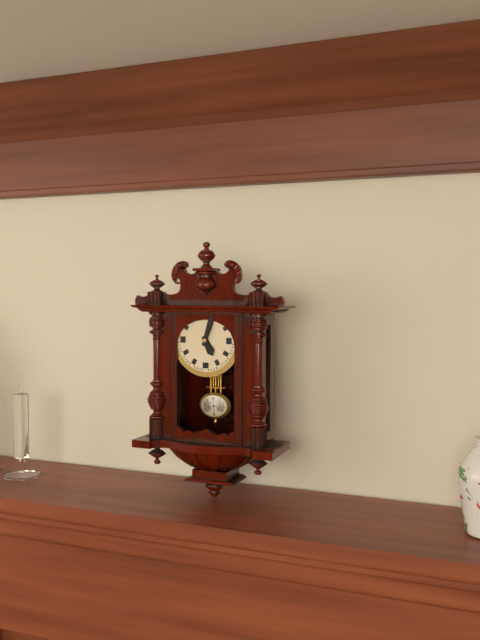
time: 5:03
